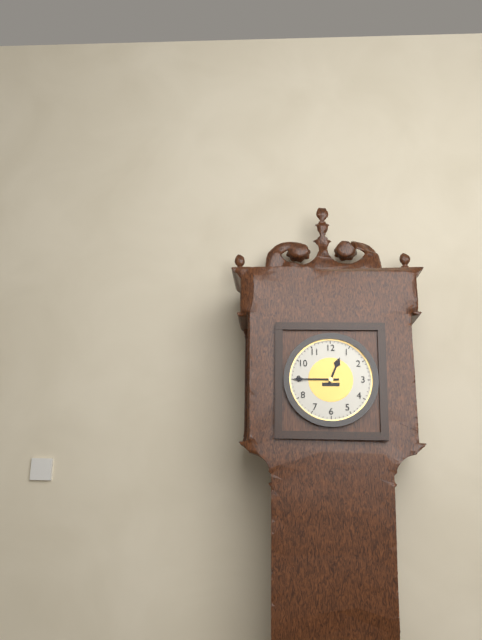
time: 12:45
